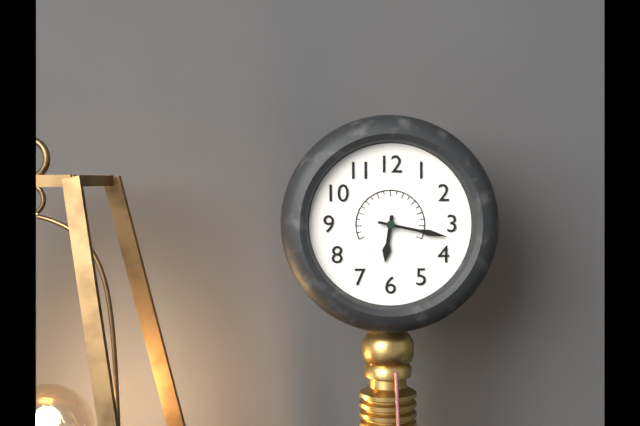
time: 6:17
